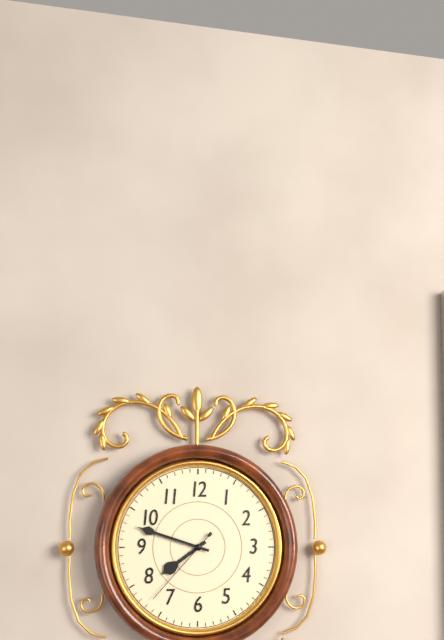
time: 7:48:37
